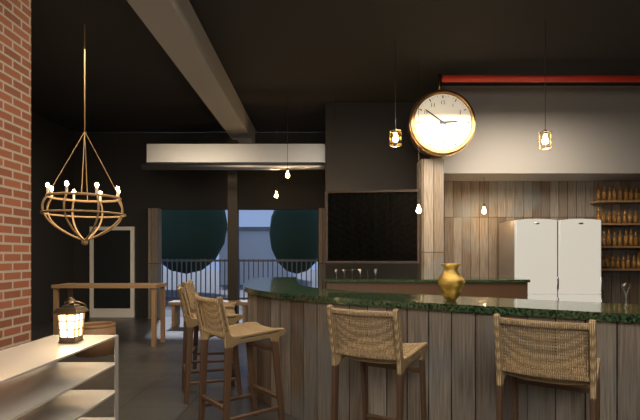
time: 2:51
